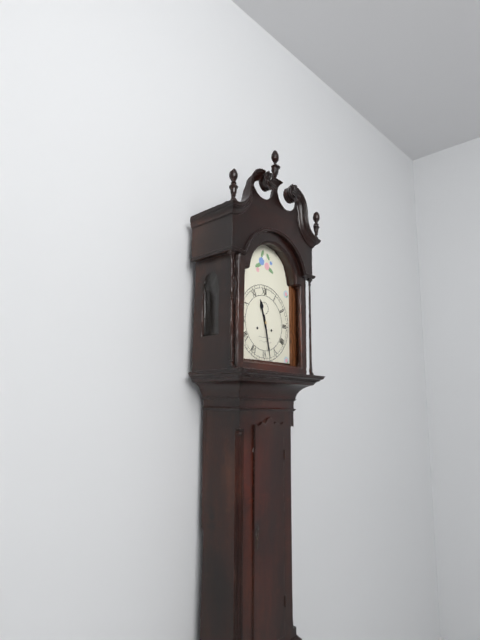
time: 11:28
